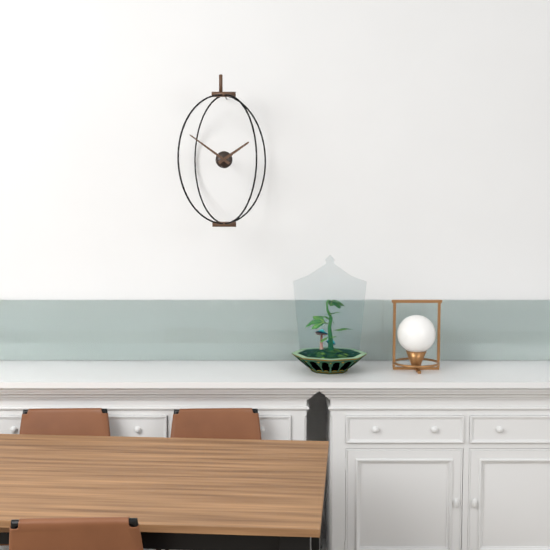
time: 1:51
